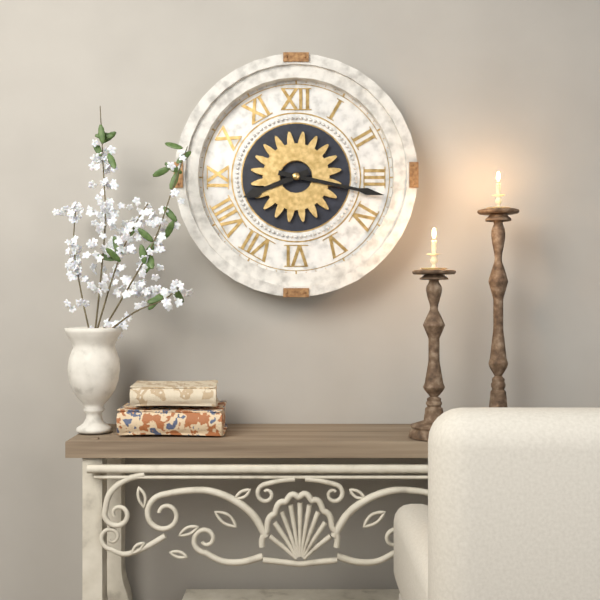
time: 8:17
